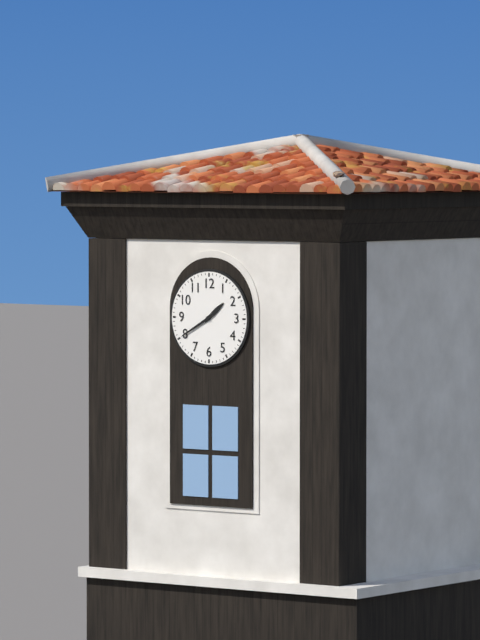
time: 1:40
